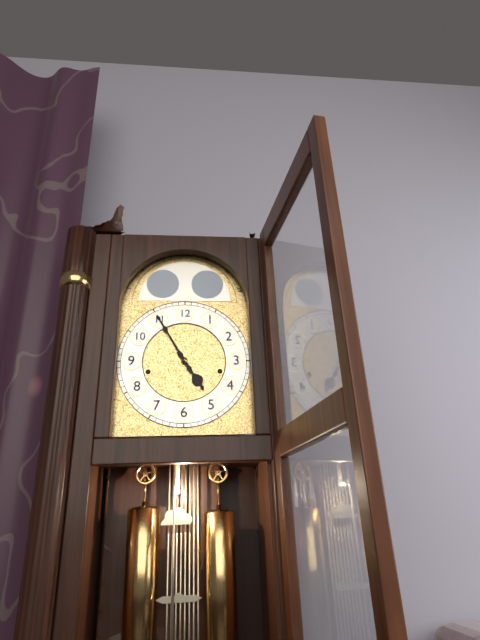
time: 4:55
